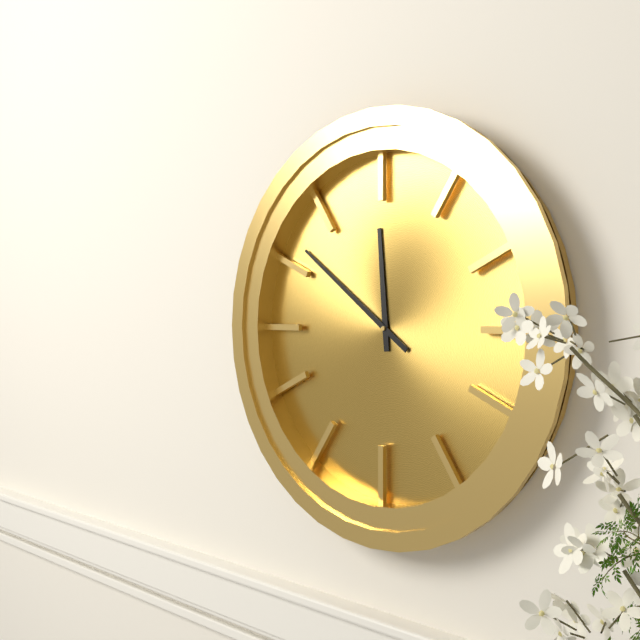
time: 11:51
